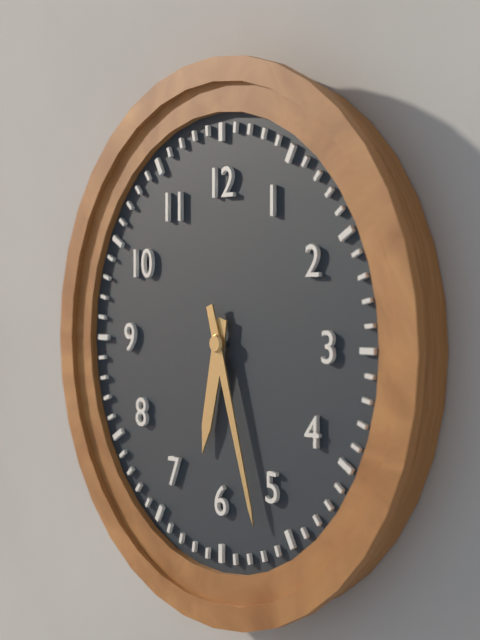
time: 6:27
